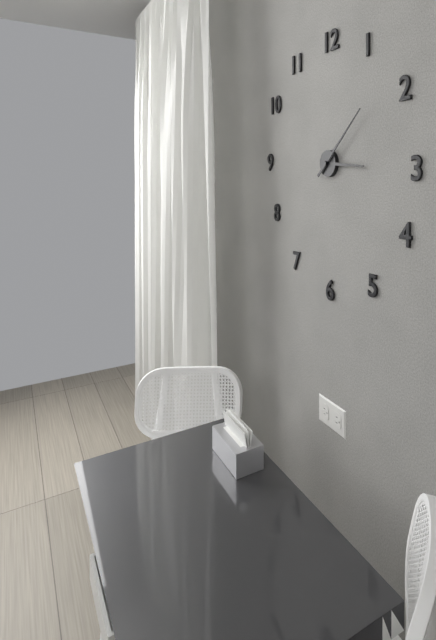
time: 3:08
